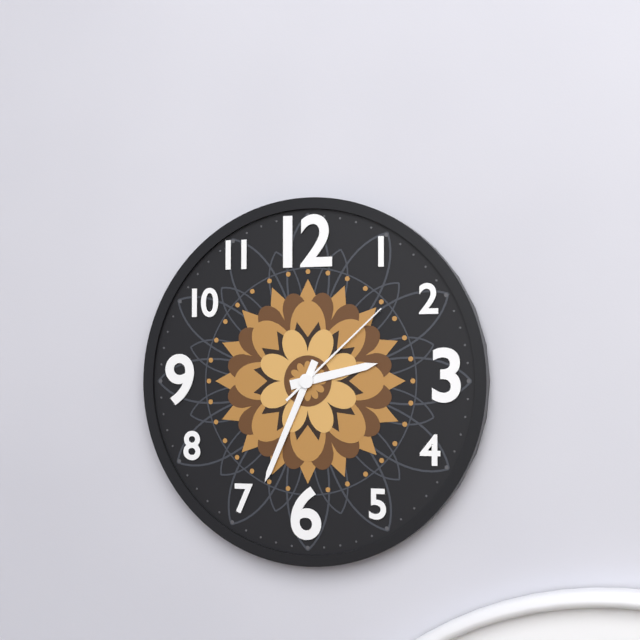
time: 2:34:08
